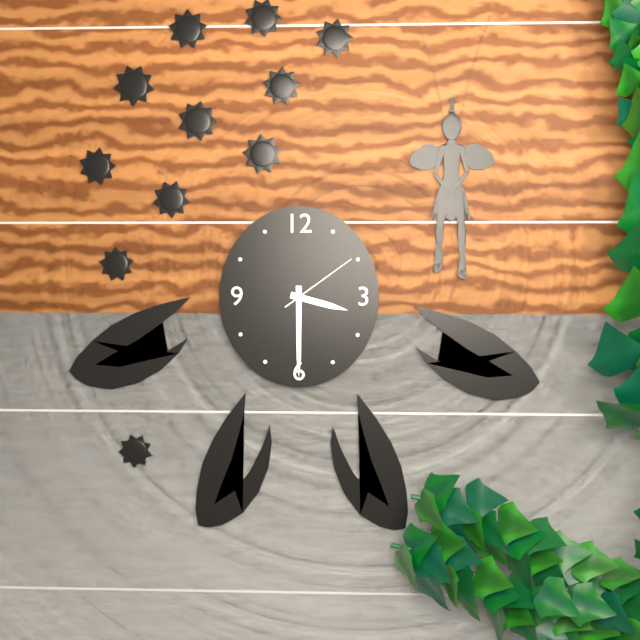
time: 3:30:09
